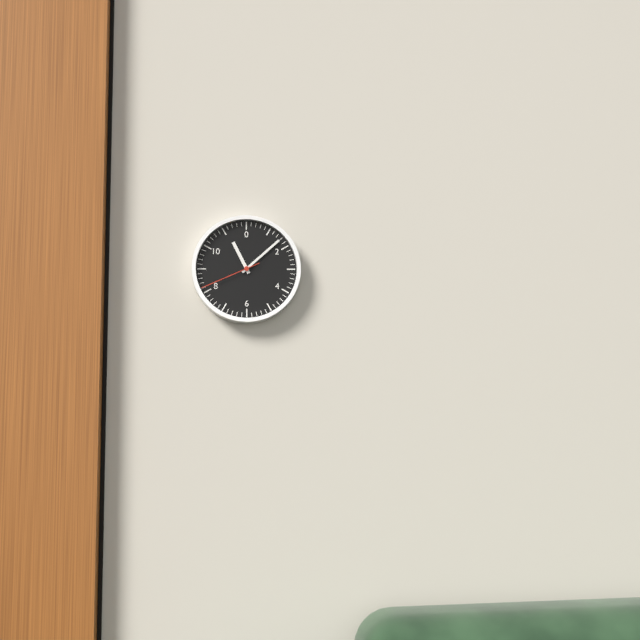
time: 11:08:41
